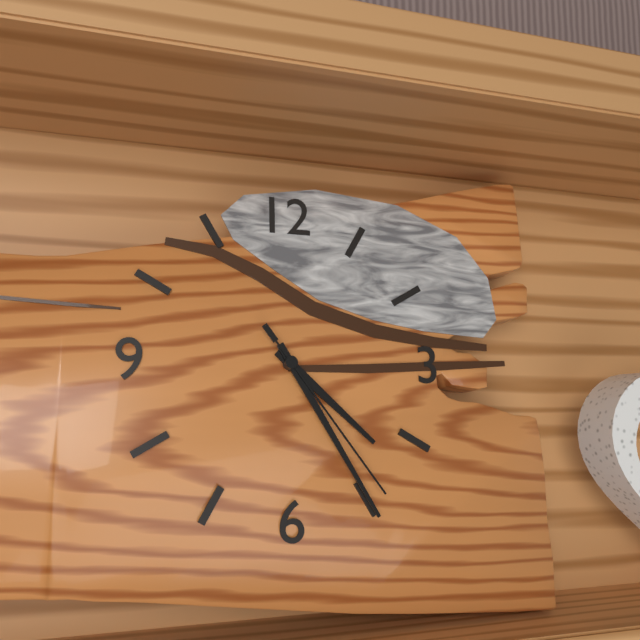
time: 4:25:24
